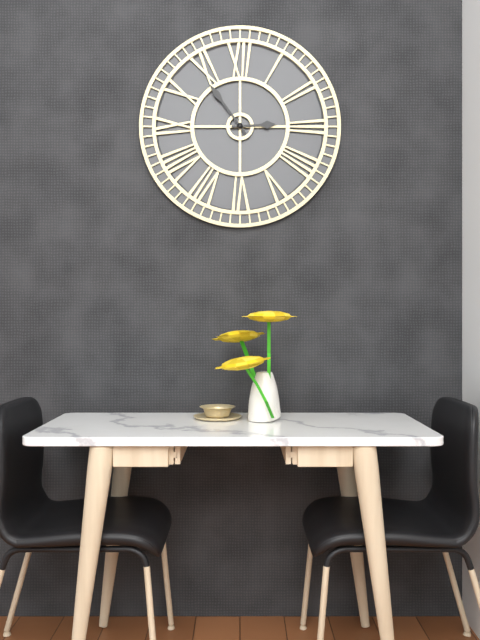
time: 2:54
